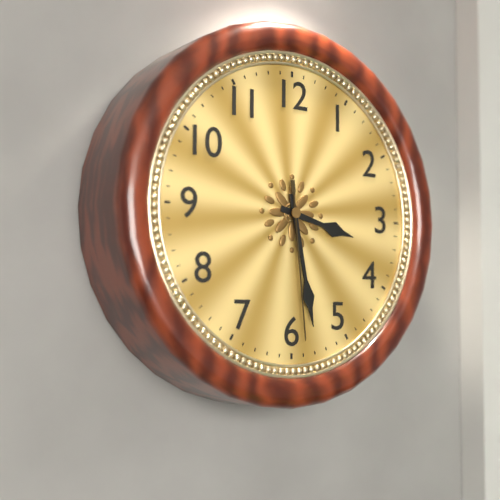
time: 3:28:29
